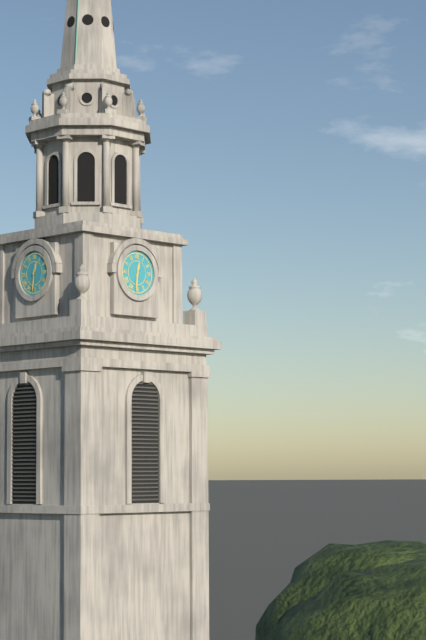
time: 12:31
